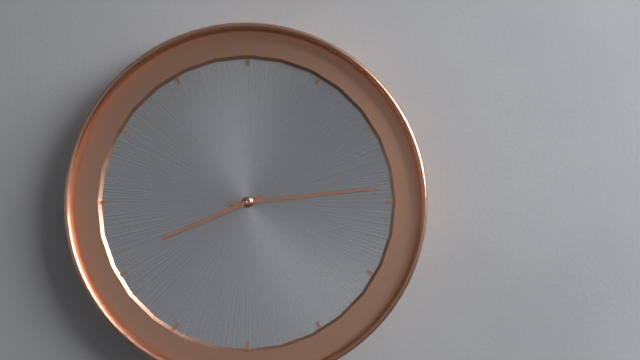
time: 8:14
